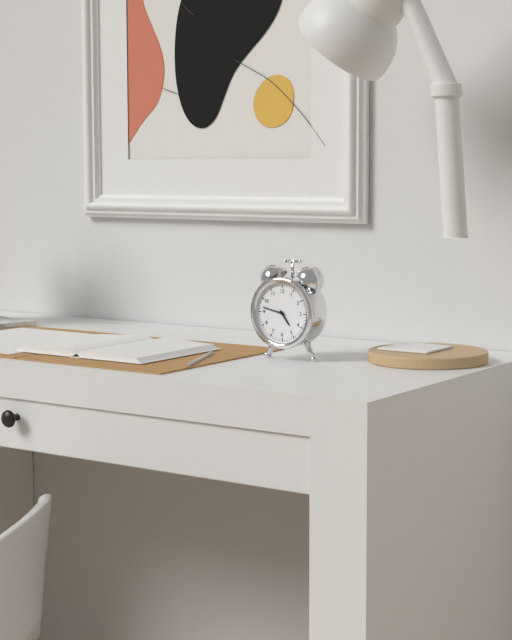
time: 4:47
